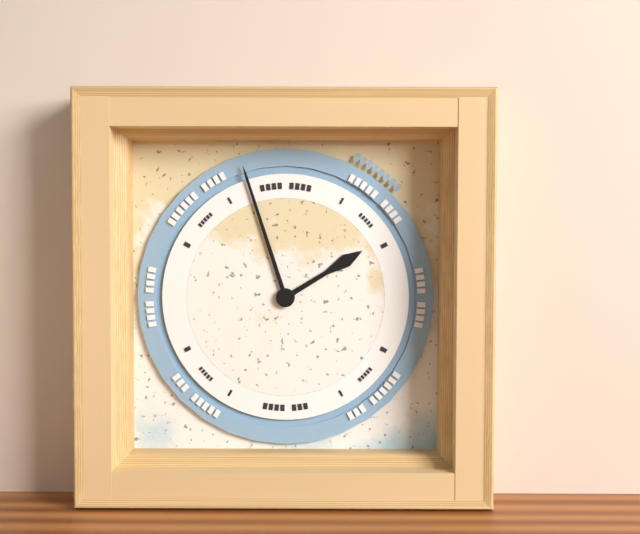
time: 1:57
